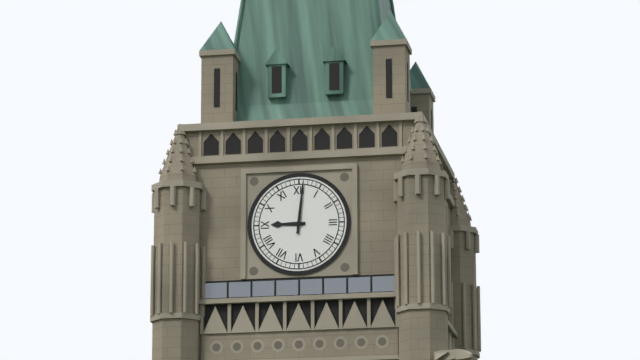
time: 9:01
